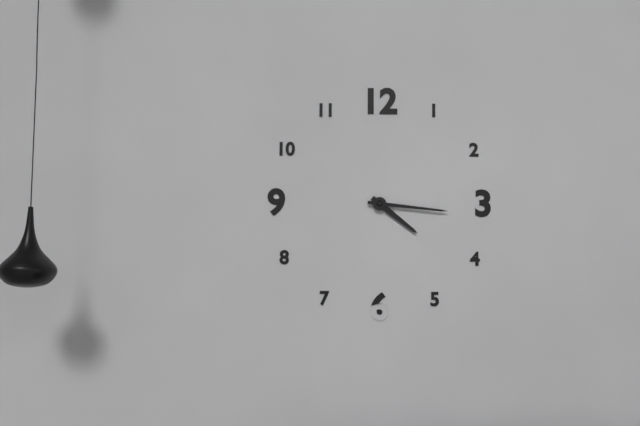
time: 4:16
